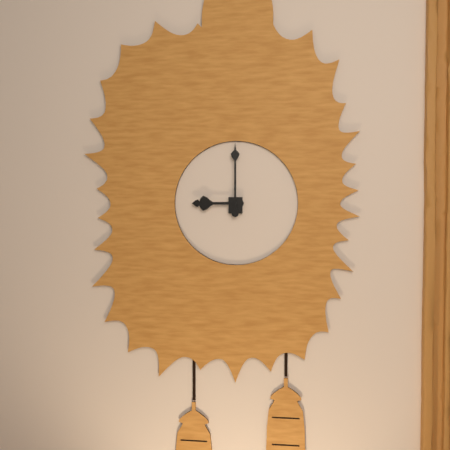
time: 9:00
